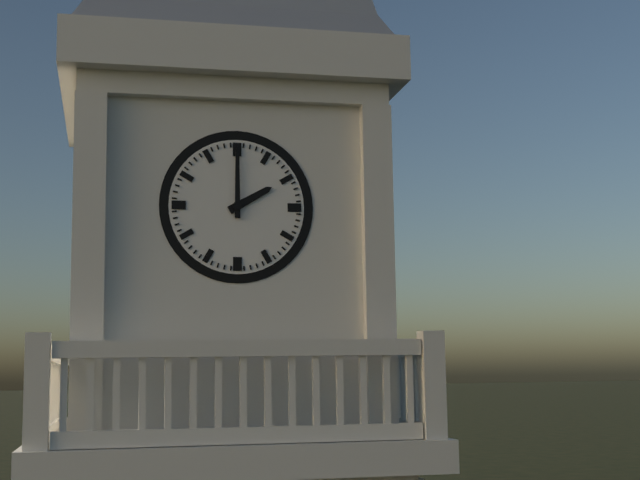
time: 2:00
